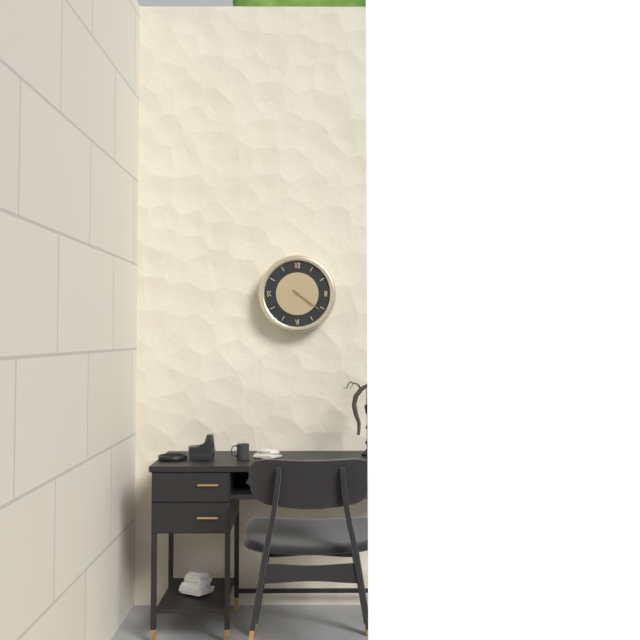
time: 4:21
